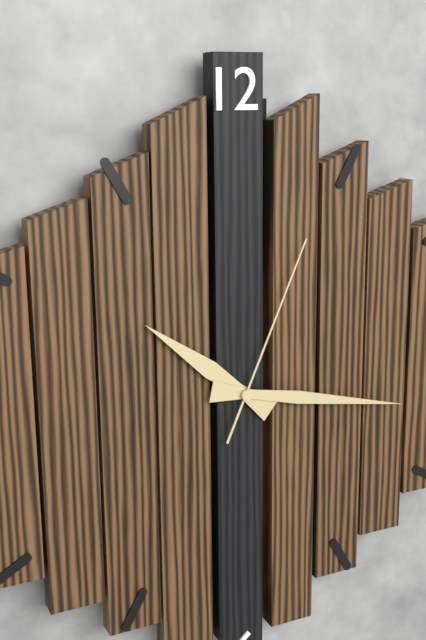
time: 10:17:04
